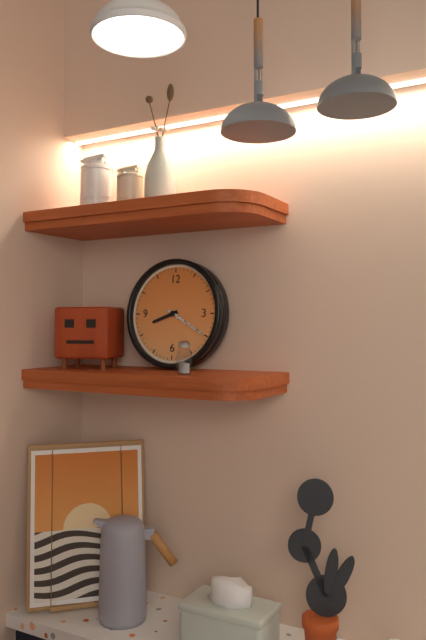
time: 8:20
